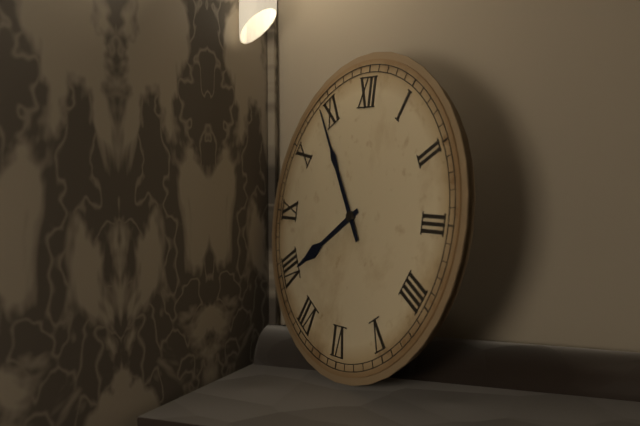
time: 7:54
